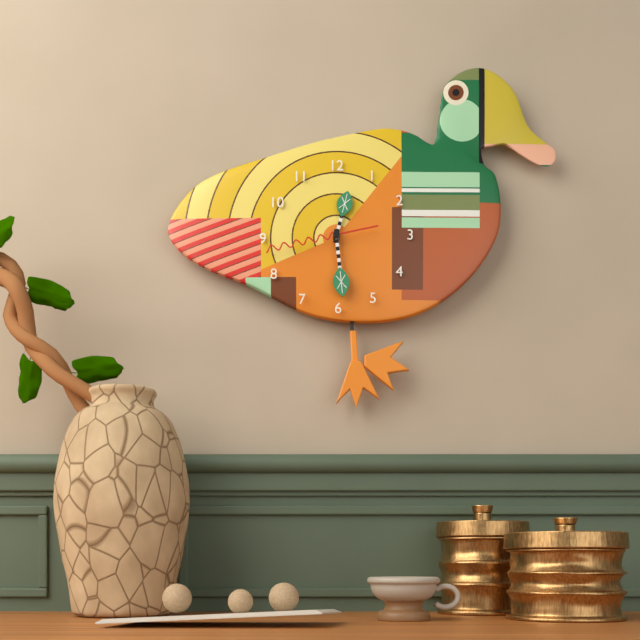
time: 12:29:43
